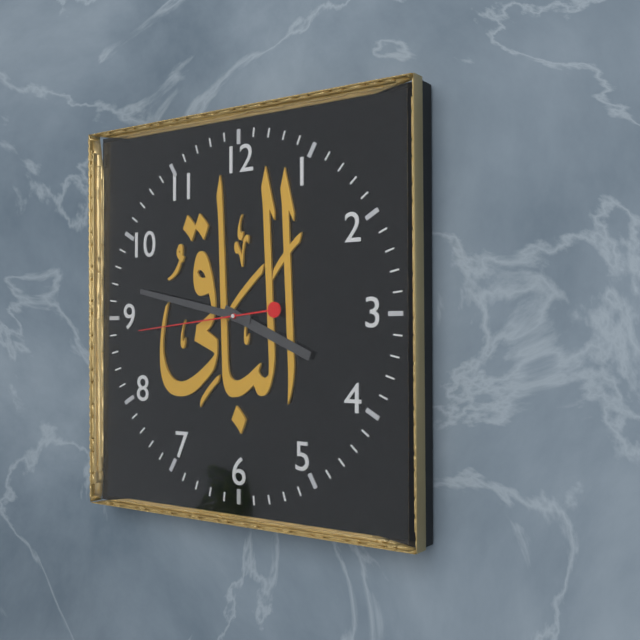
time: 3:47:44
